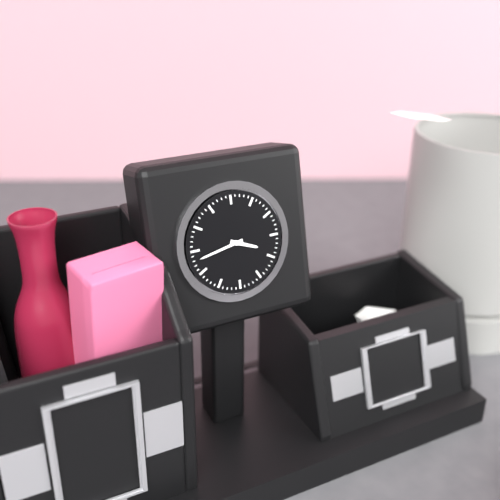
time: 3:43
